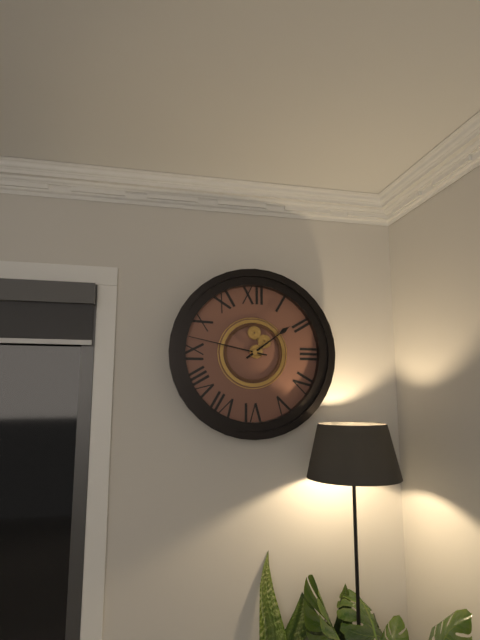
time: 1:47
